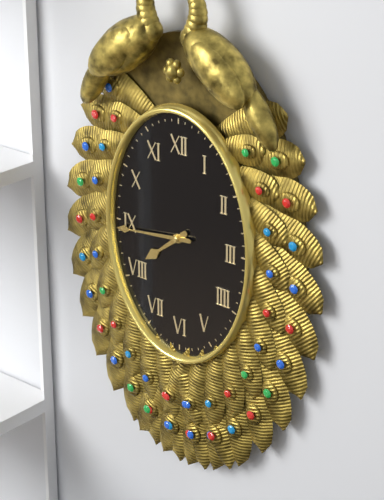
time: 7:44
